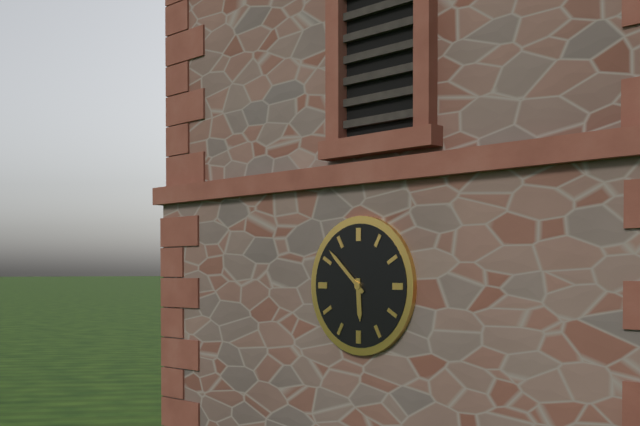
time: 5:52
